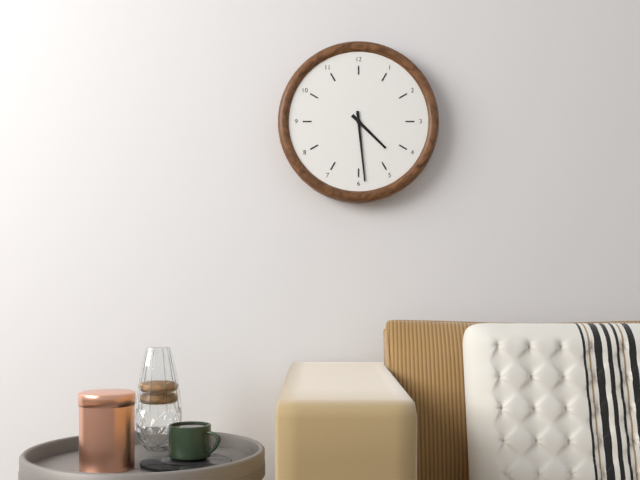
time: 4:29
